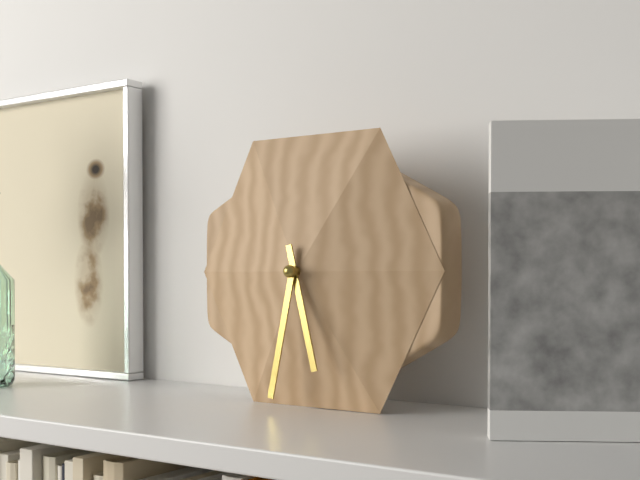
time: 5:32
